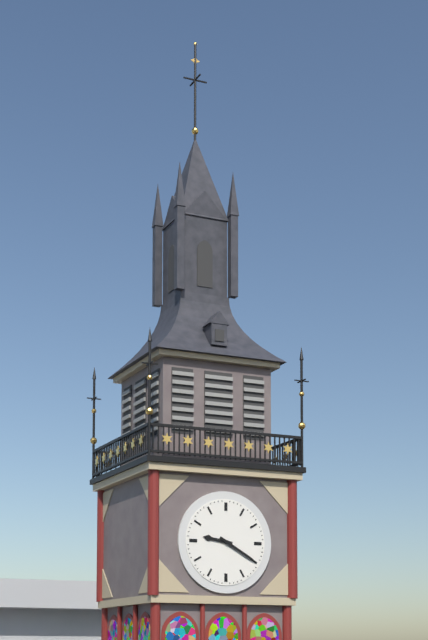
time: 9:20
